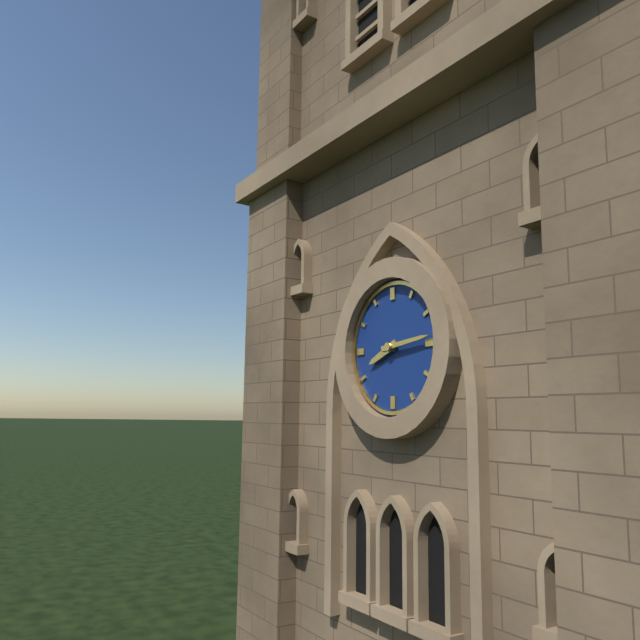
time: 8:14
